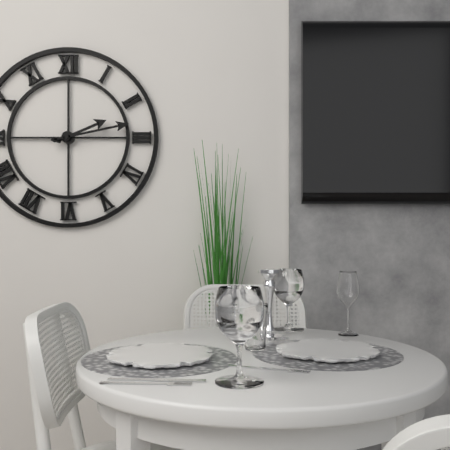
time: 2:13
